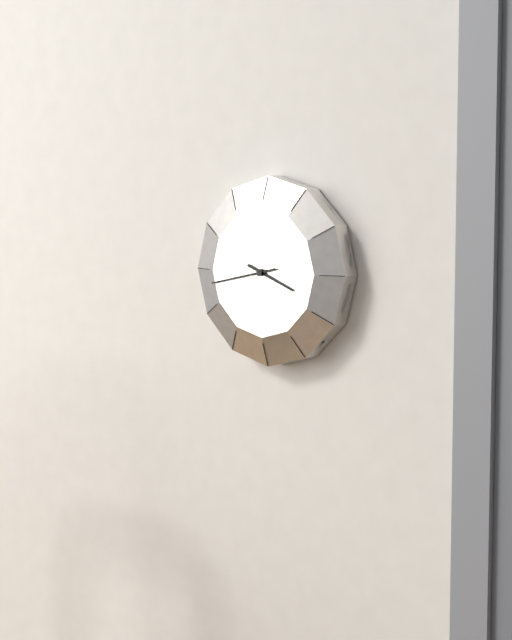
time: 3:43
